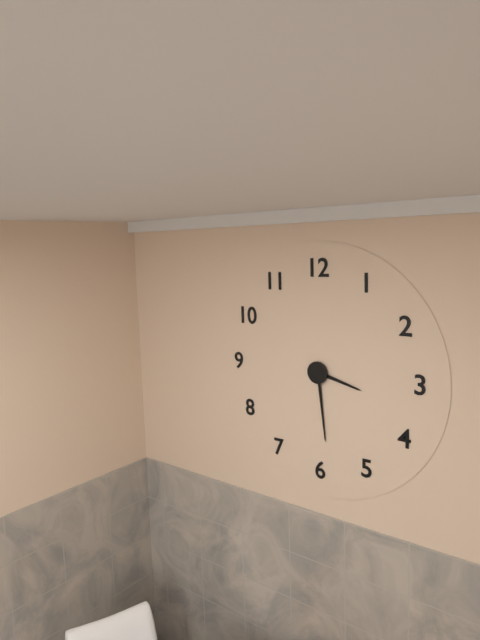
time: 3:29
